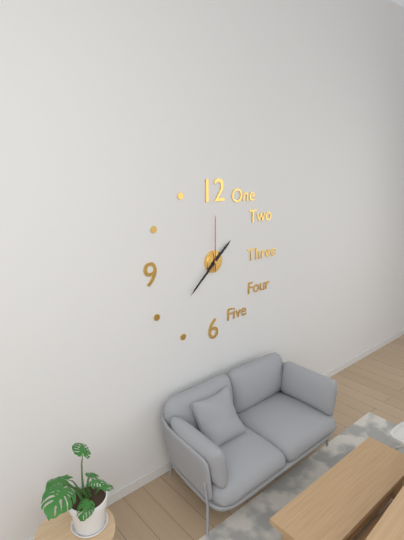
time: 1:38:00
